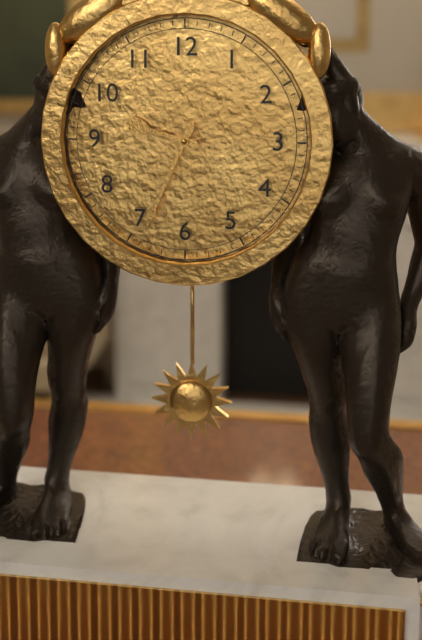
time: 9:34
